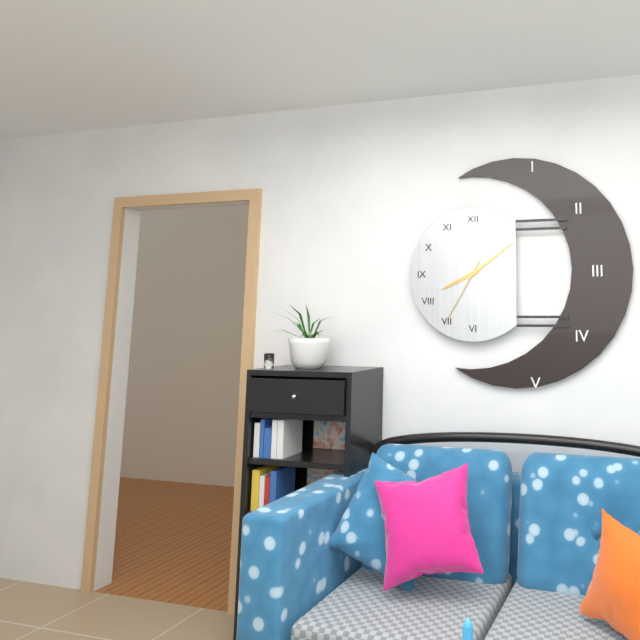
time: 8:09:35
